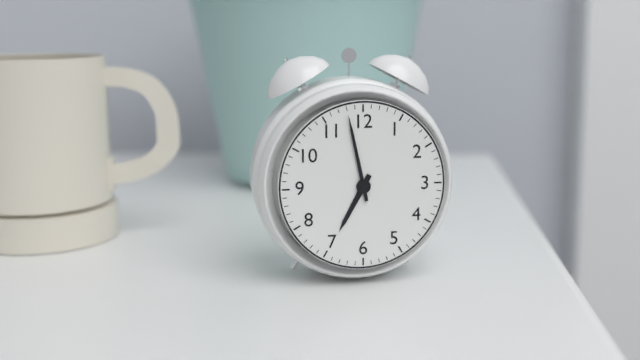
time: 6:58
